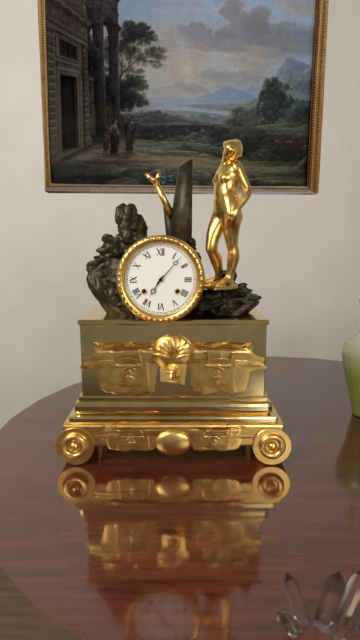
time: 7:07
